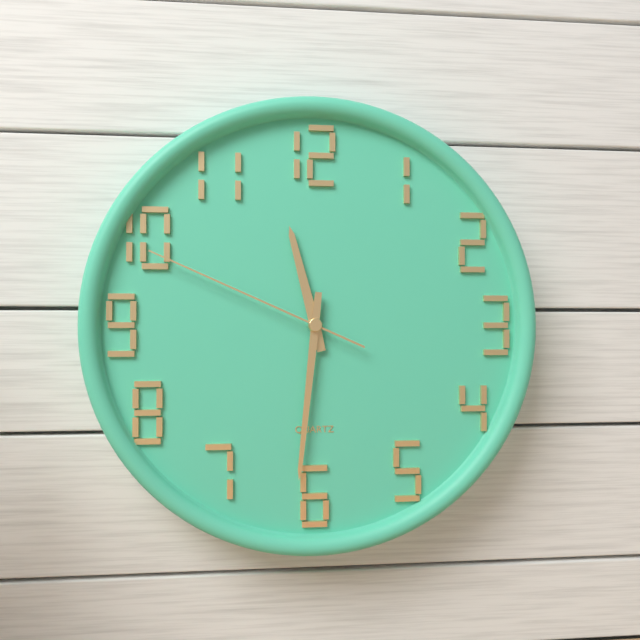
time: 11:31:49
